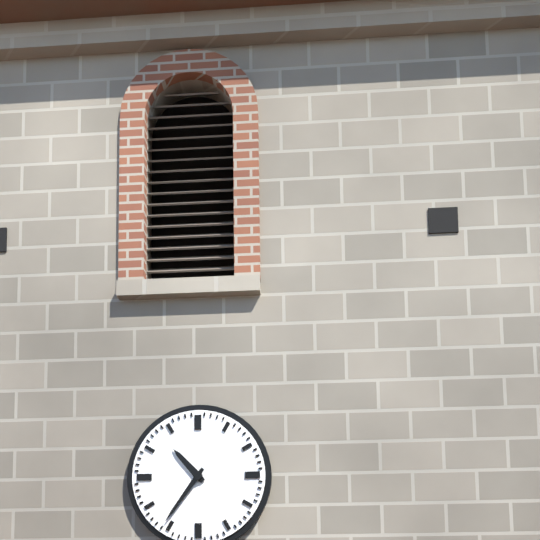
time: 10:36
